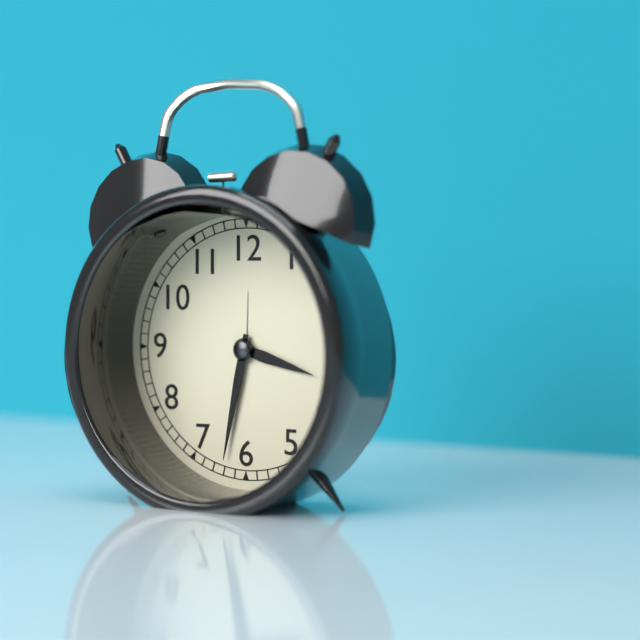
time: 3:32
